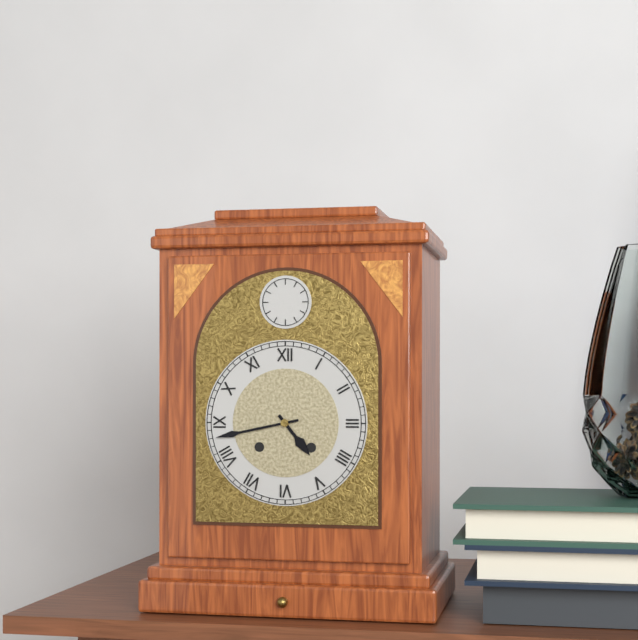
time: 4:43
